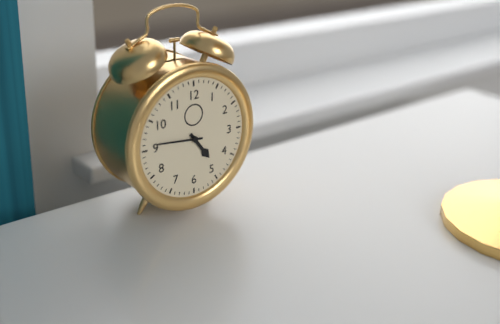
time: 4:46
